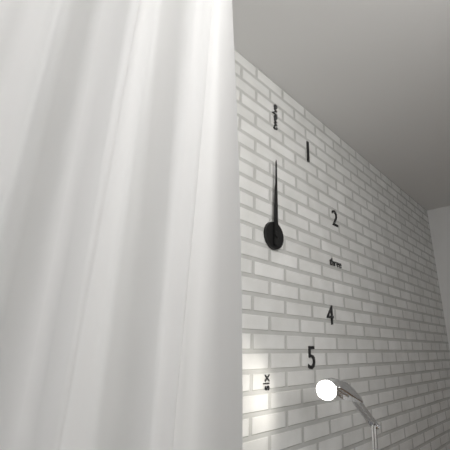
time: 12:00
